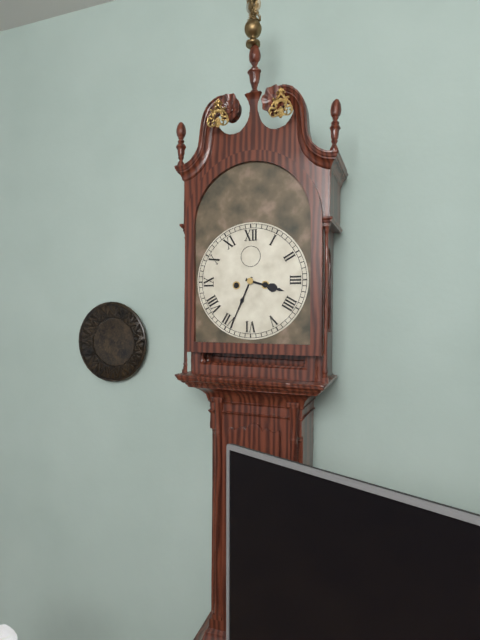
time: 3:34
